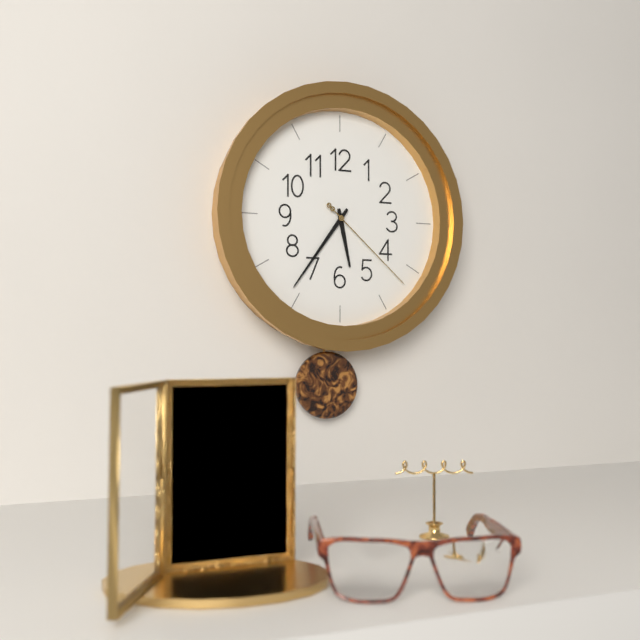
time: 5:36:22
